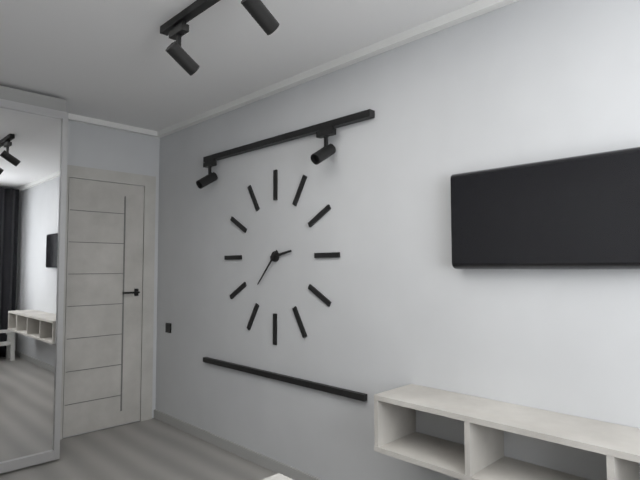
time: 2:37
